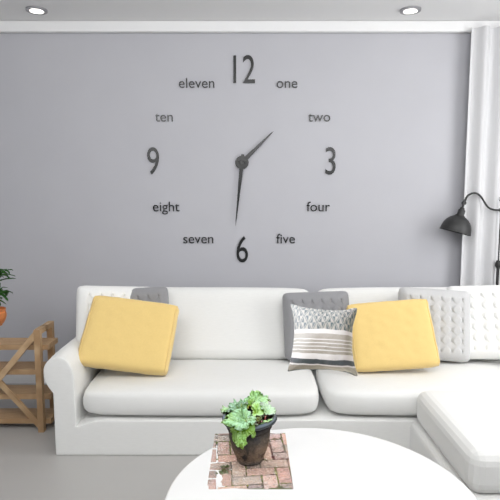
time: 1:31
